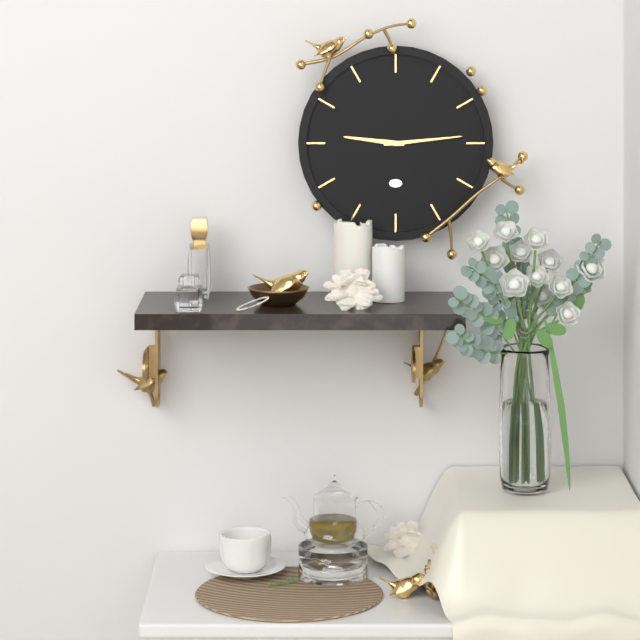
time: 9:14
